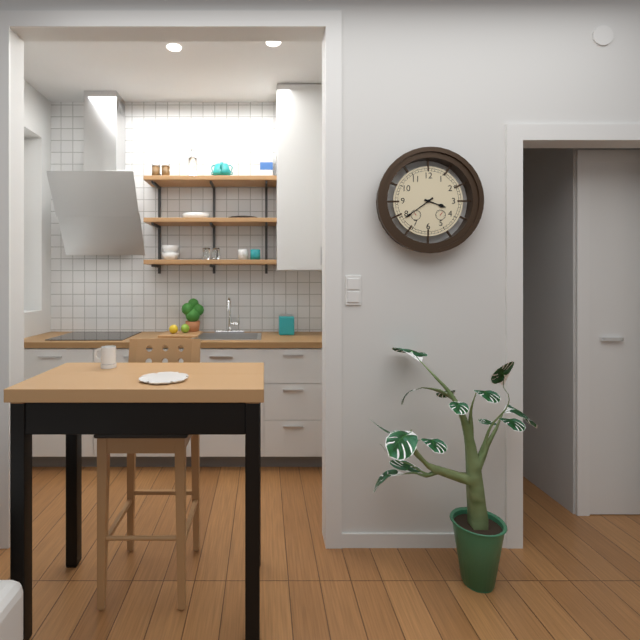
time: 3:39
